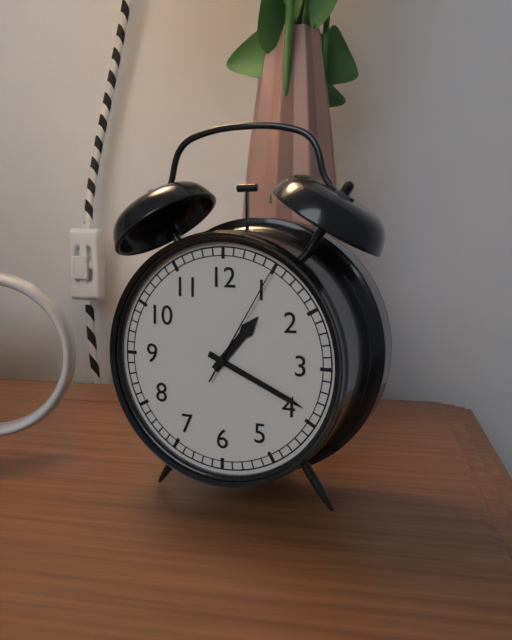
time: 1:19:05
